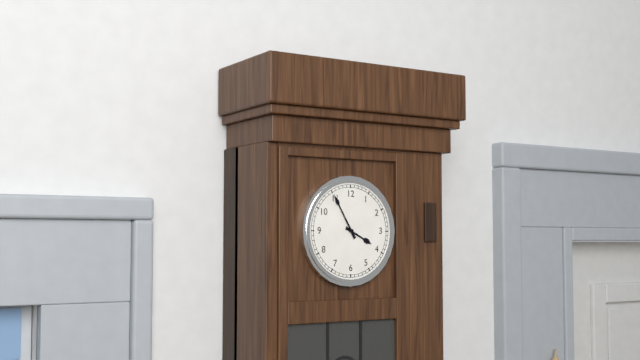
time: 3:55
